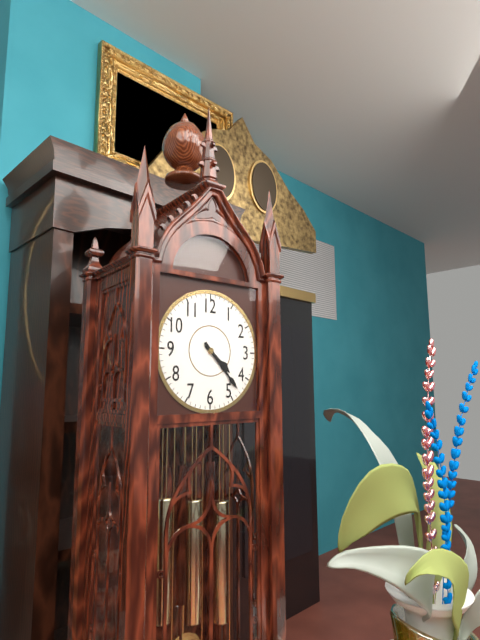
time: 4:23
